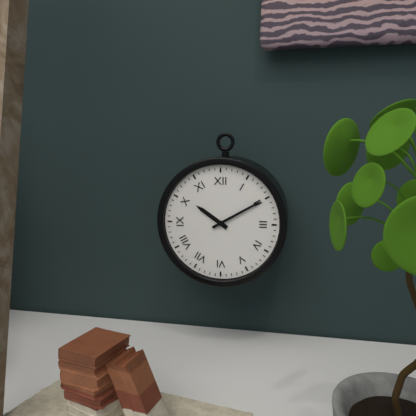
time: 10:10
